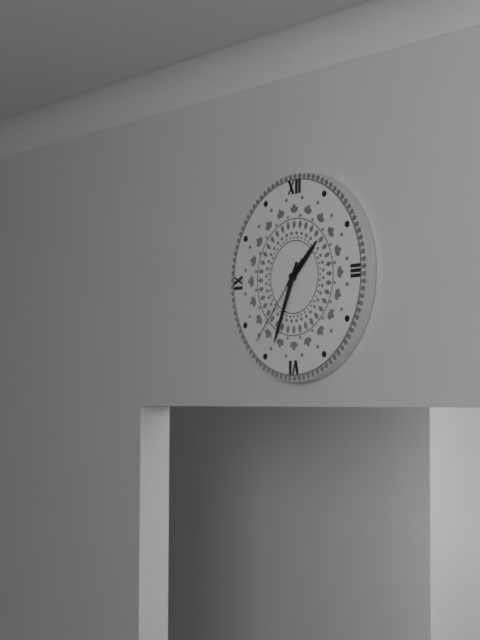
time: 1:34:37
